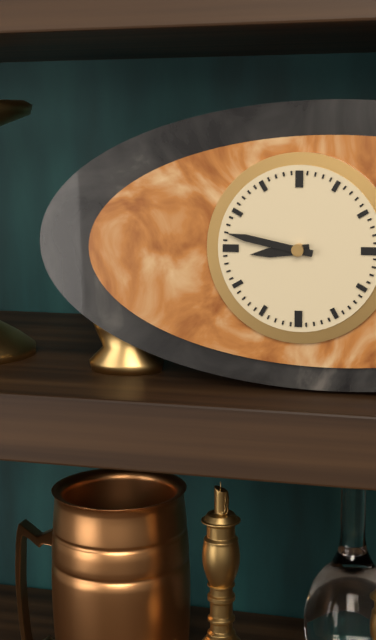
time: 8:47
